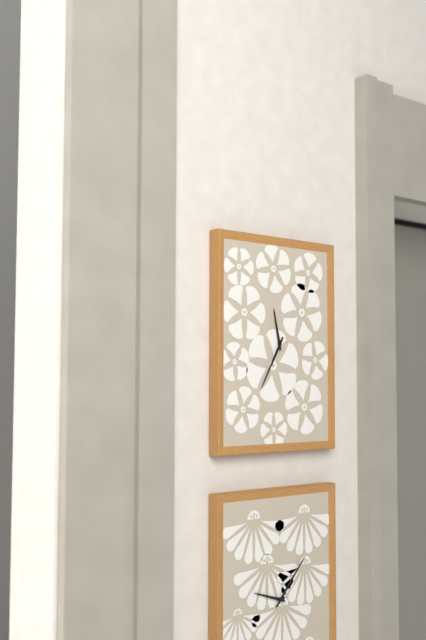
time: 11:35
